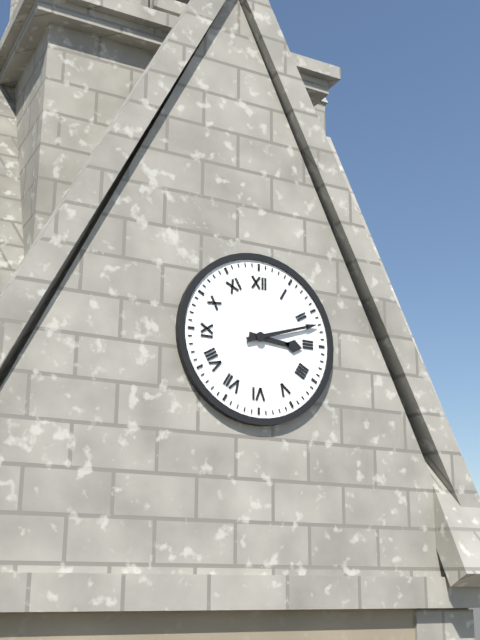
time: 3:12
